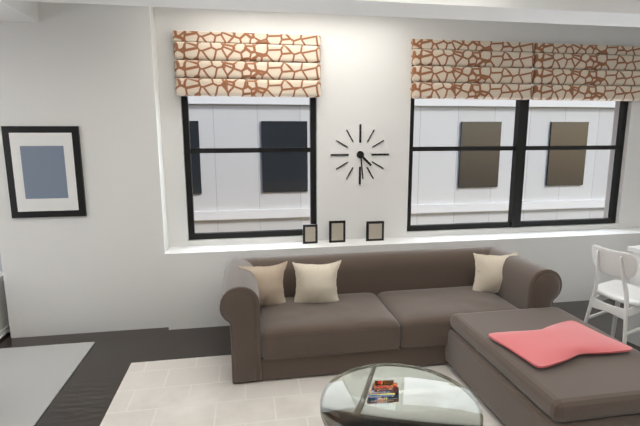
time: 4:29
